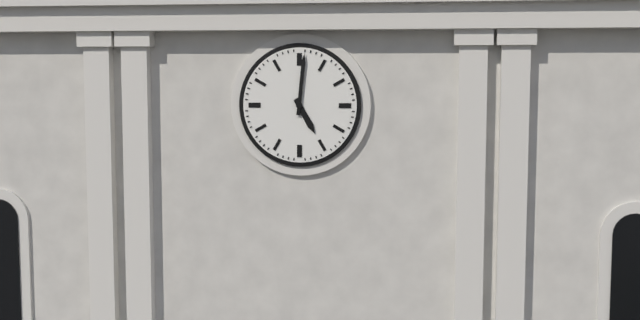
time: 5:01
